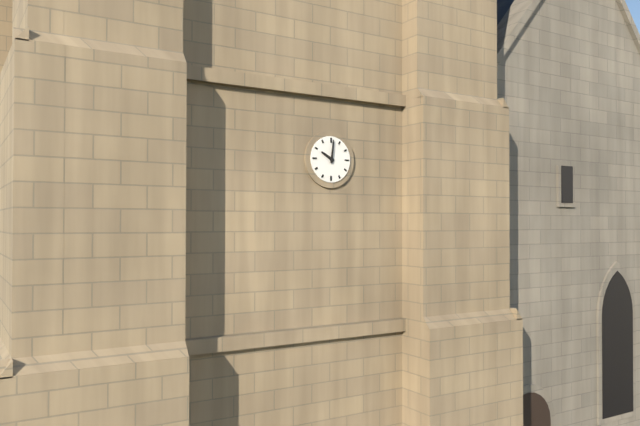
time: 10:01
